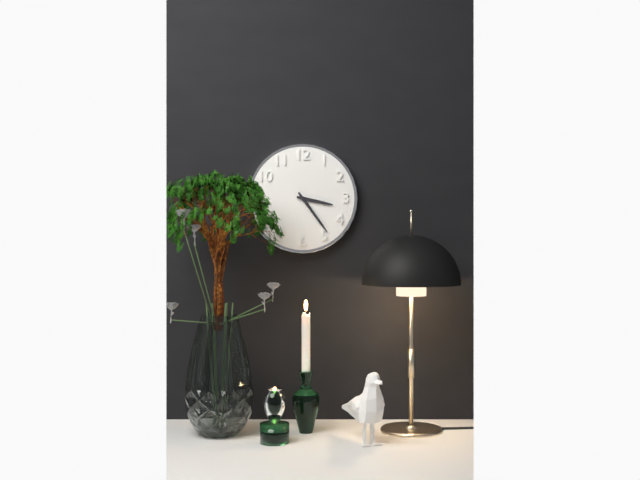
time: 3:24
